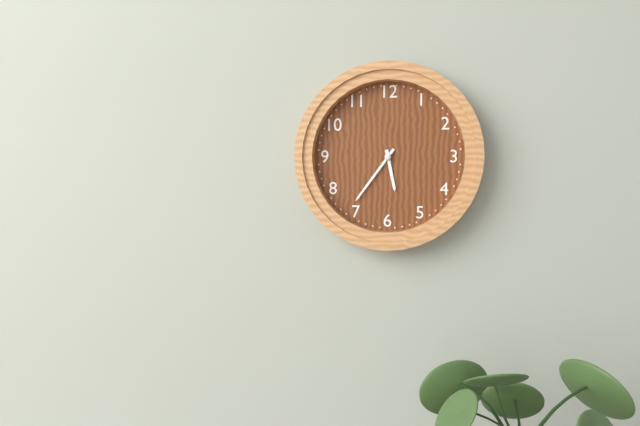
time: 5:36
